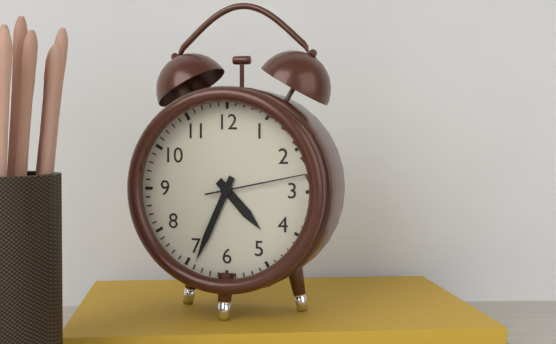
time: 4:34:13
